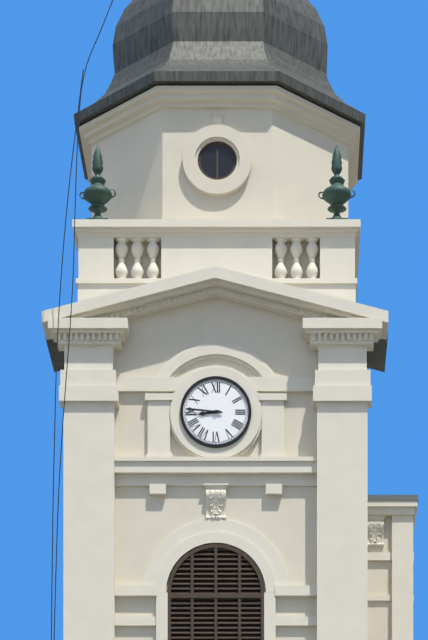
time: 8:46
